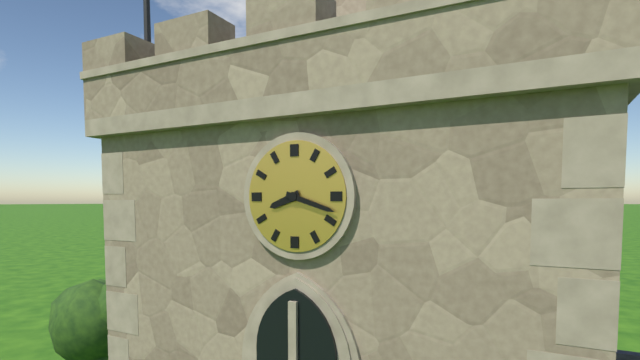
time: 8:18
